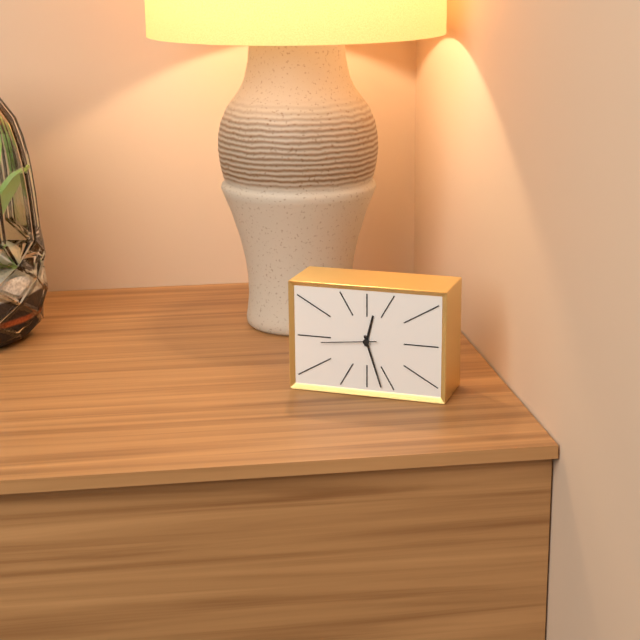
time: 12:27:44
